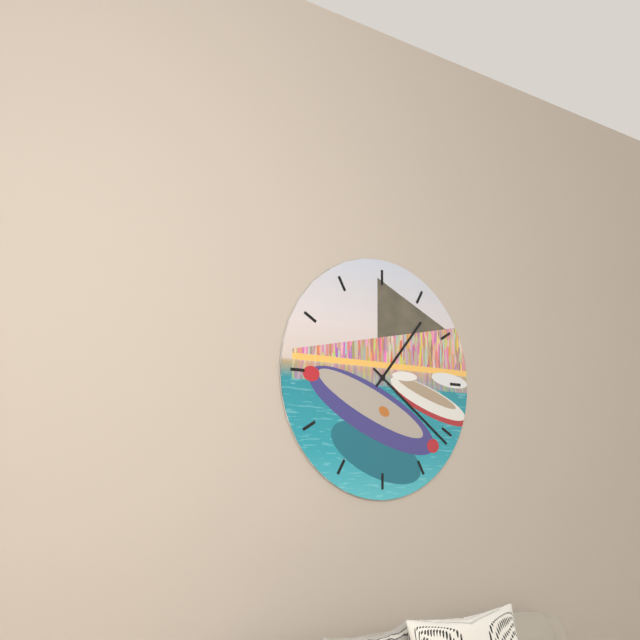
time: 1:21
